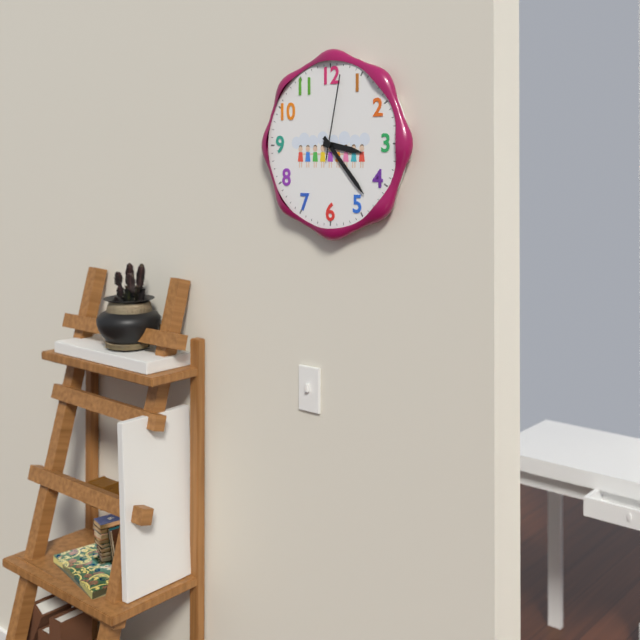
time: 3:23:02
